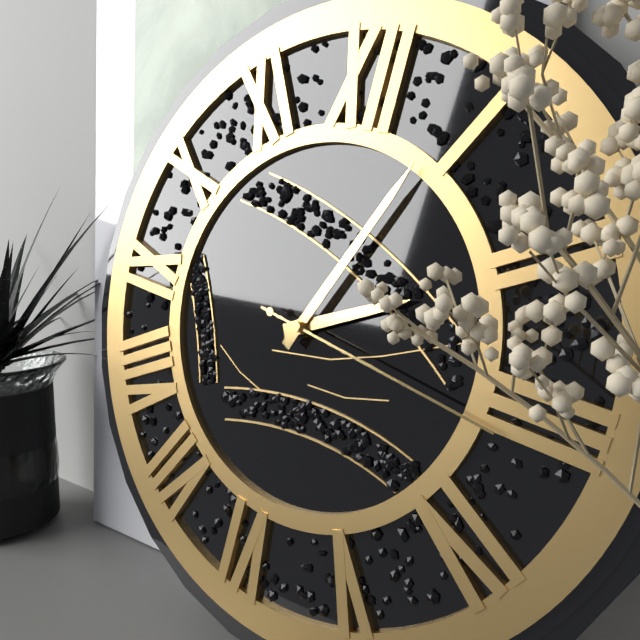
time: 2:04:16
